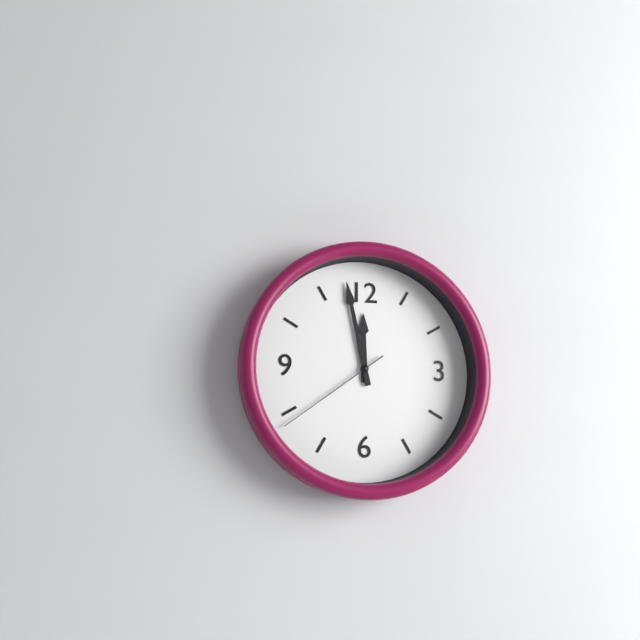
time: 11:58:39
